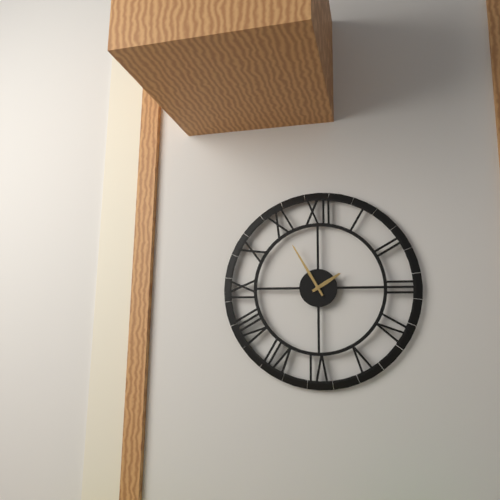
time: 1:55
